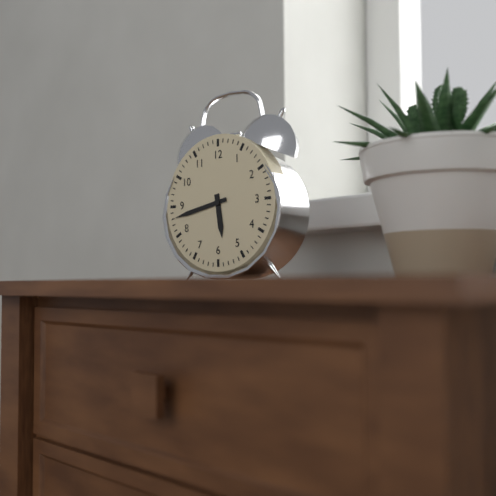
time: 5:43
